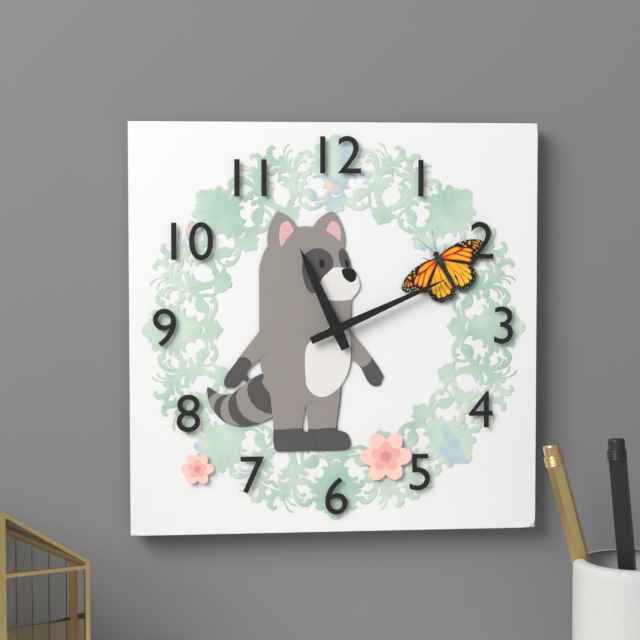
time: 11:11
